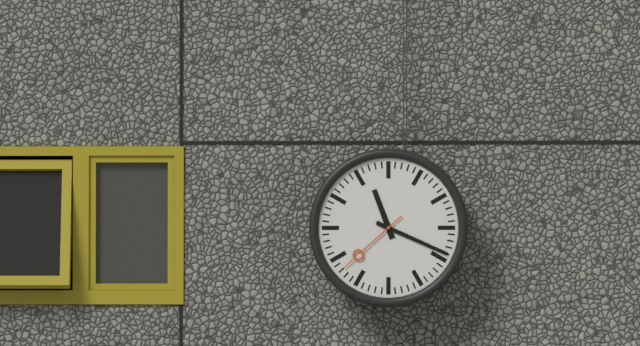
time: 11:19:38
